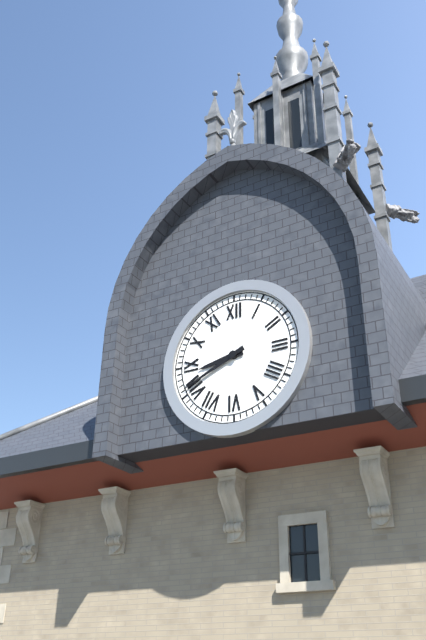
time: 8:41
